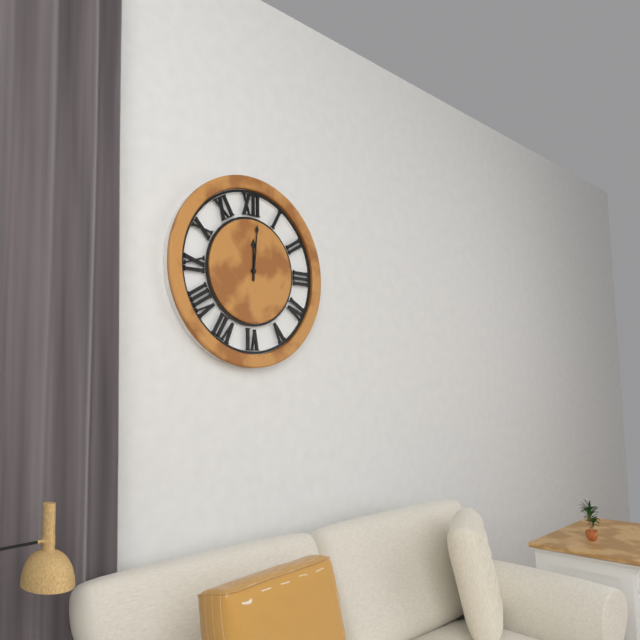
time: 12:01
